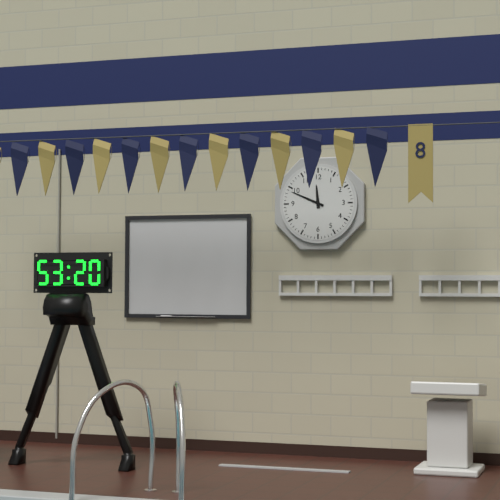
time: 11:49
